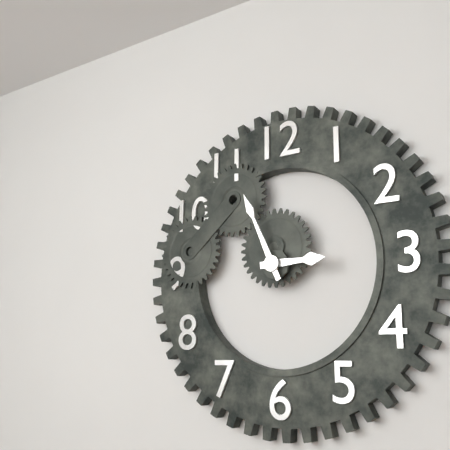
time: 2:56
